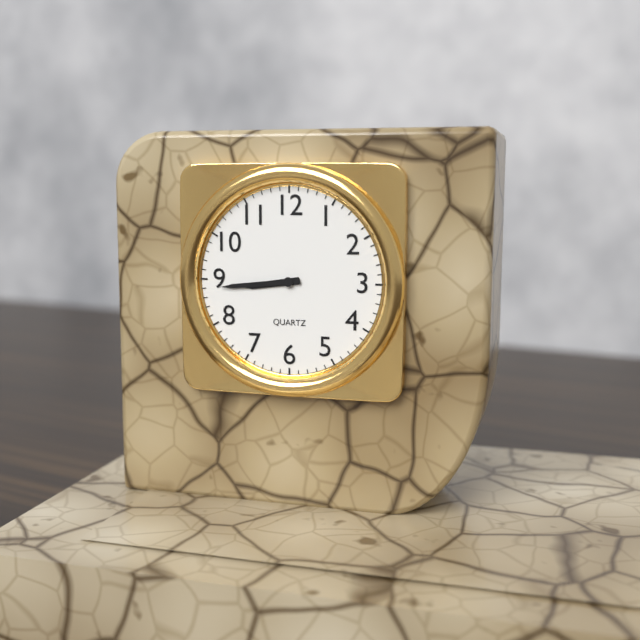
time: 8:44
